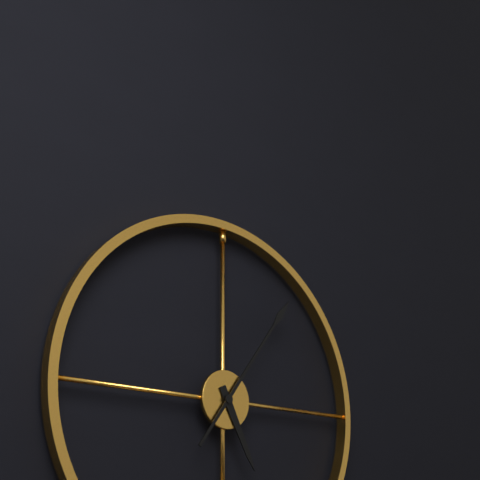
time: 5:06
